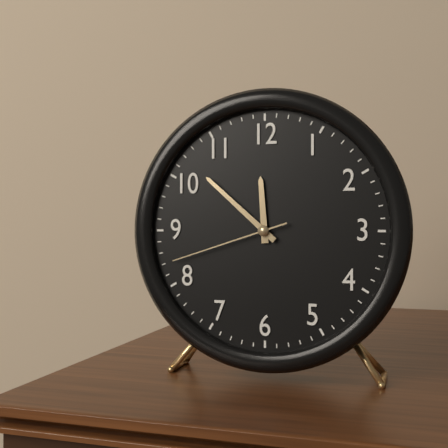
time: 11:52:42
